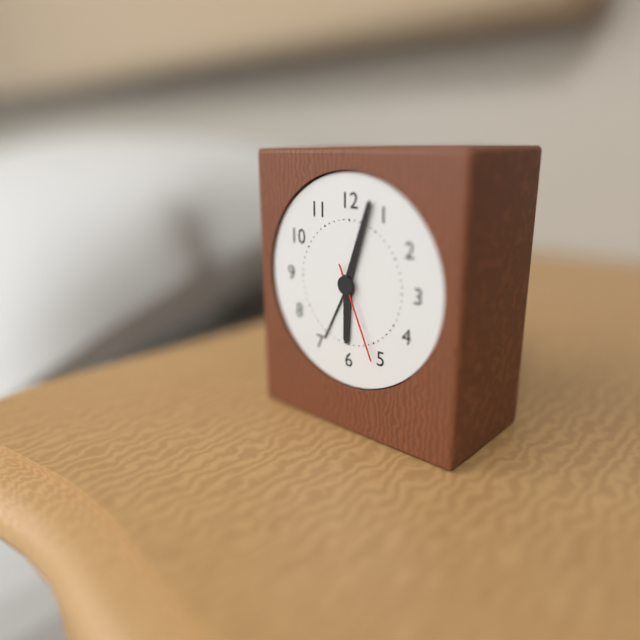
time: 6:03:26
